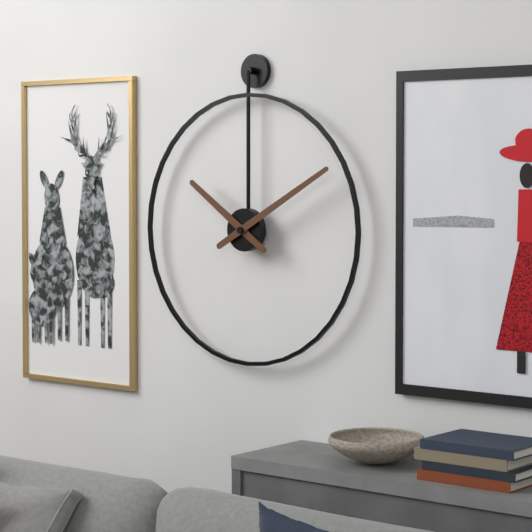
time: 10:10
